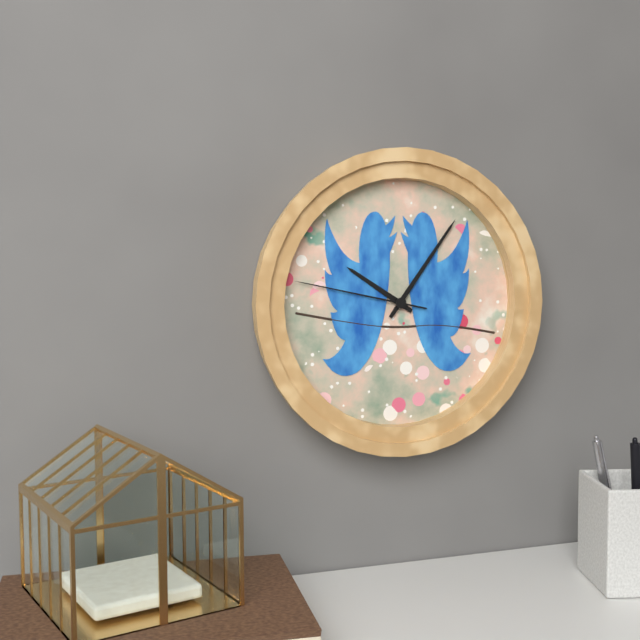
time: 10:06:47
